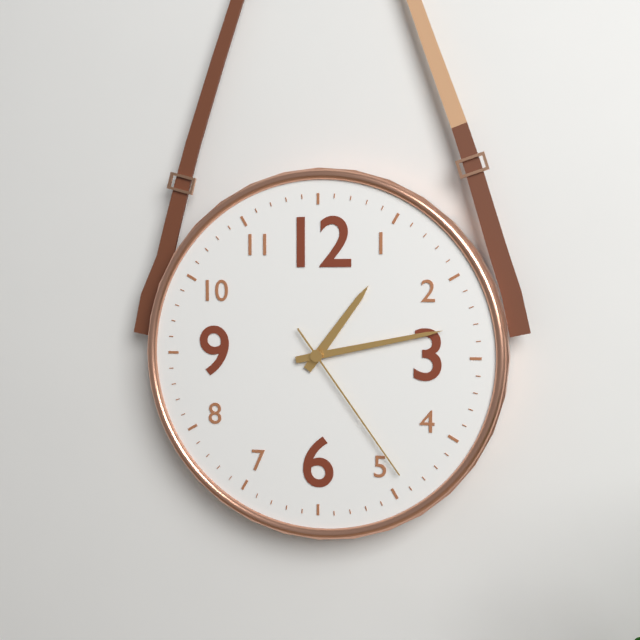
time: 1:13:24
